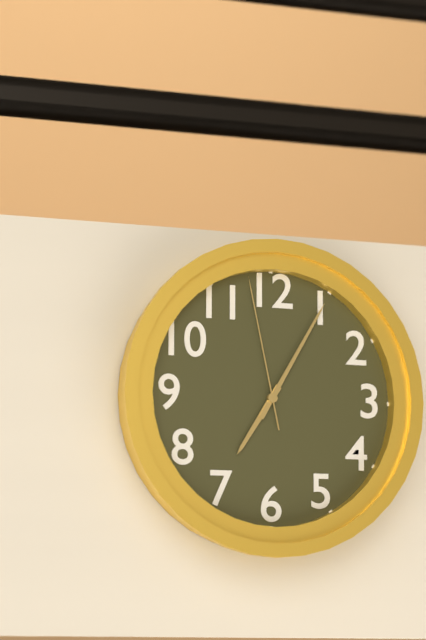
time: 7:05:58
